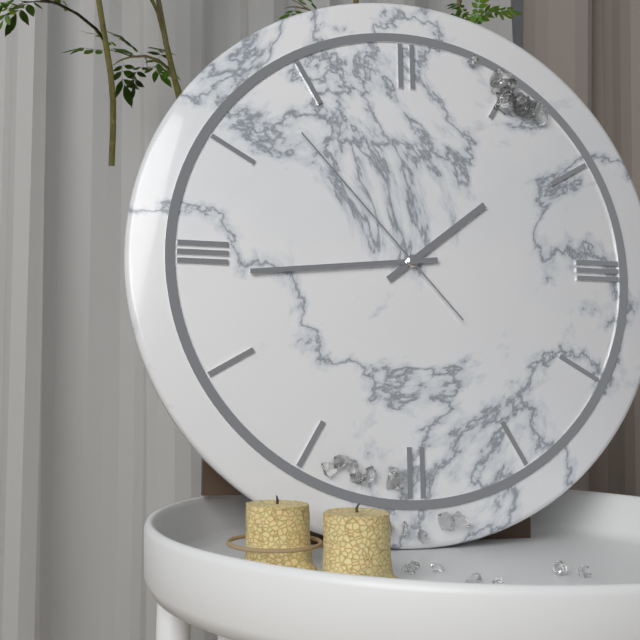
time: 1:44:53
